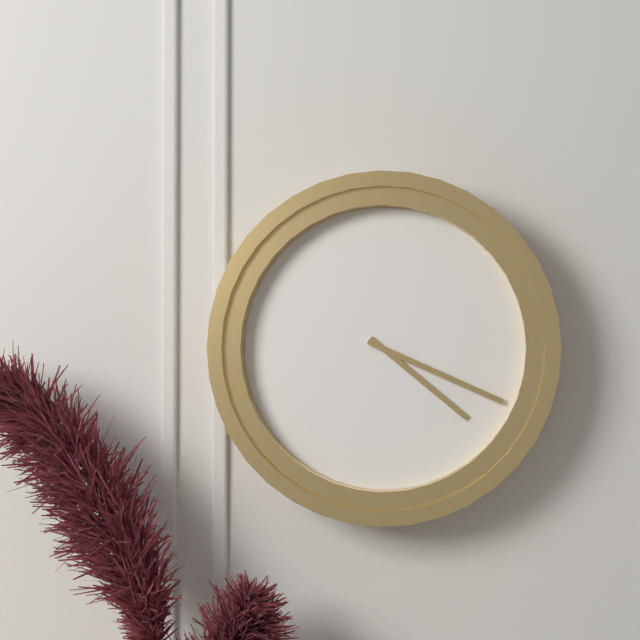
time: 4:19
